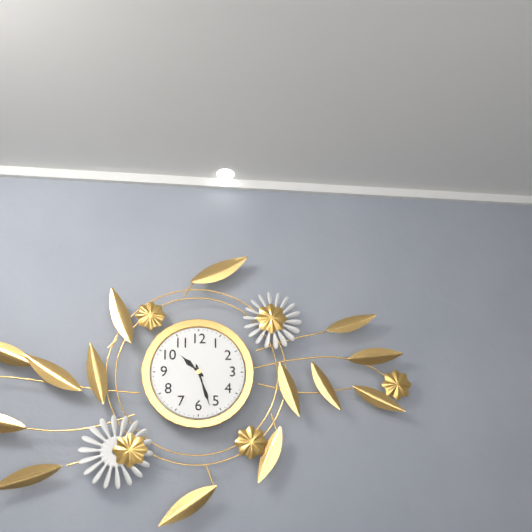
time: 10:27
